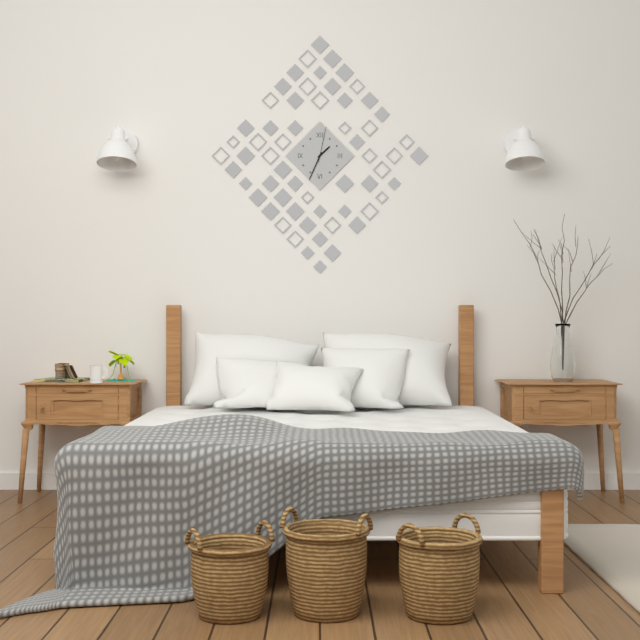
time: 1:34
